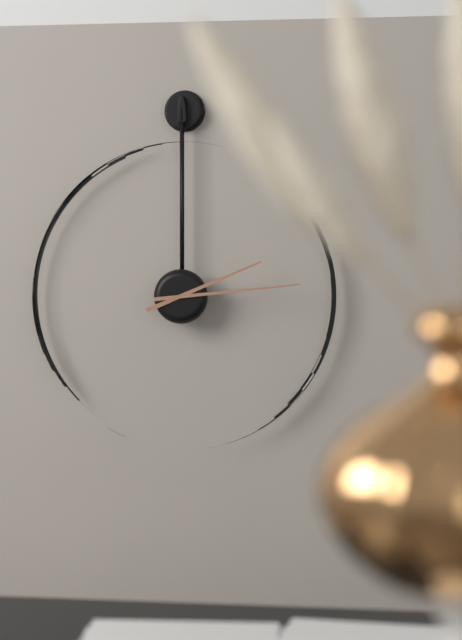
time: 2:14
